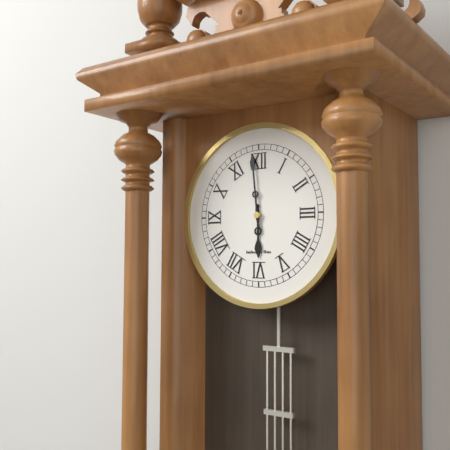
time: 5:59
